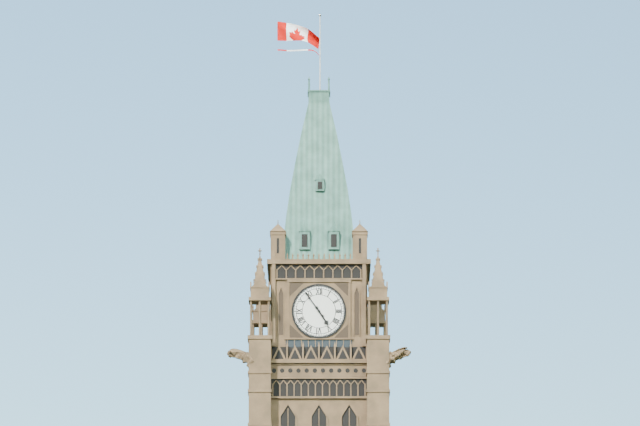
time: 4:54
